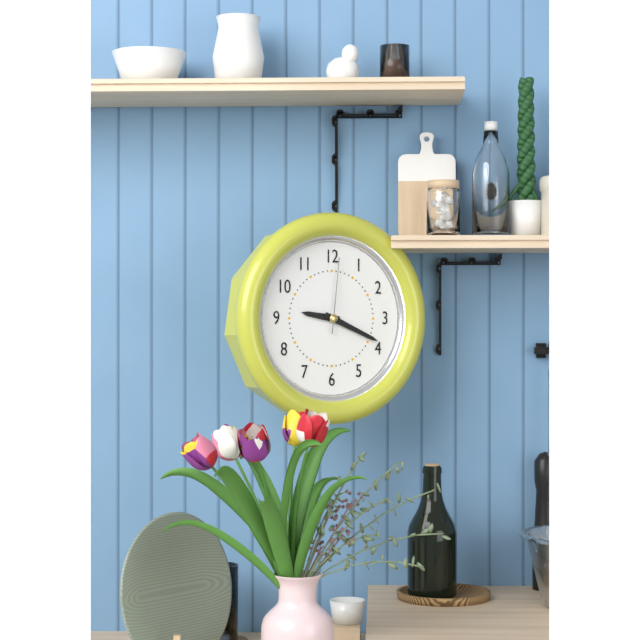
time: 9:19:01
